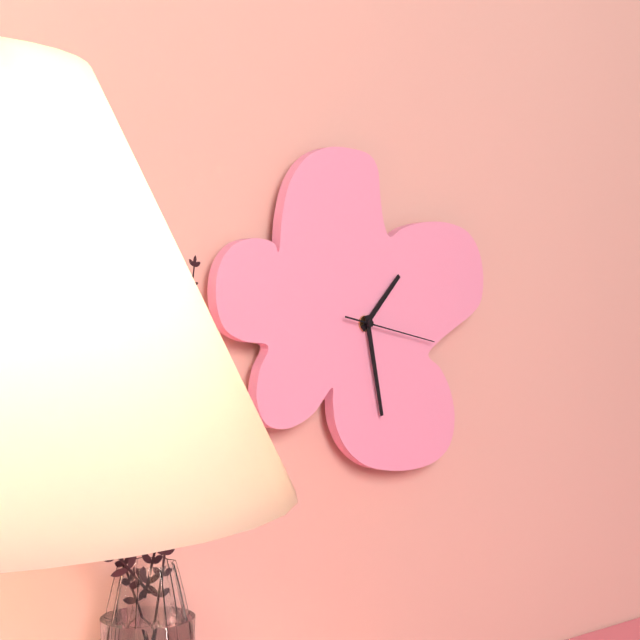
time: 1:28:17
